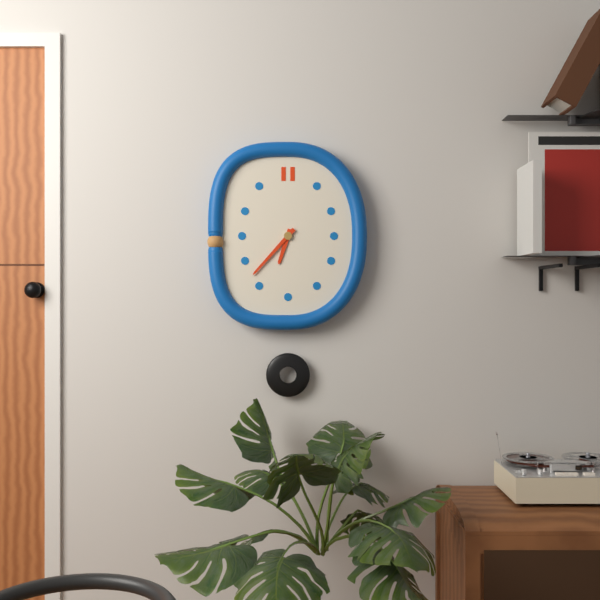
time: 6:37
